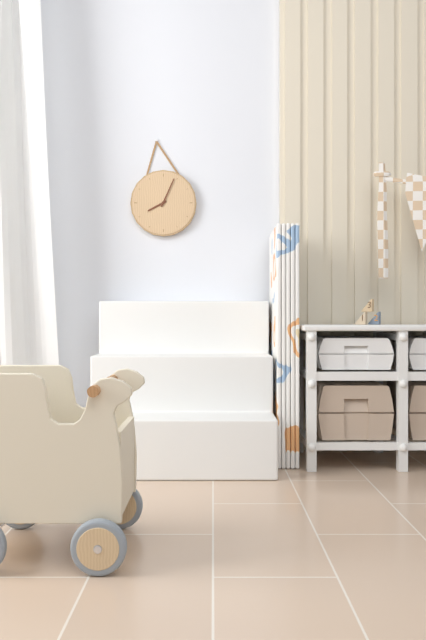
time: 8:04
